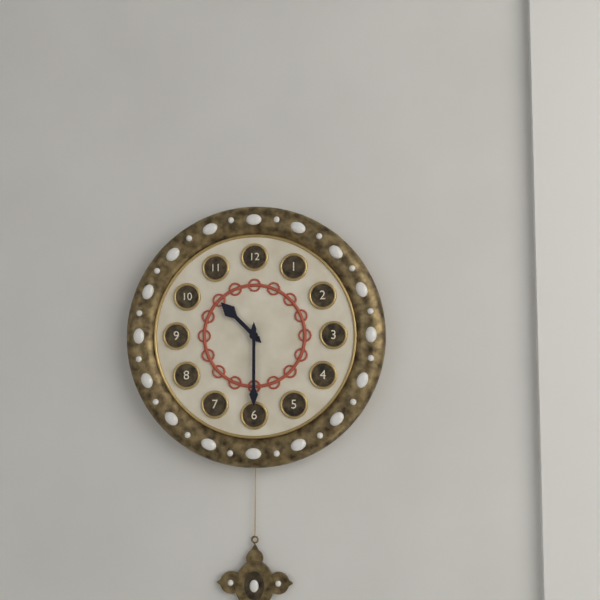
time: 10:30
